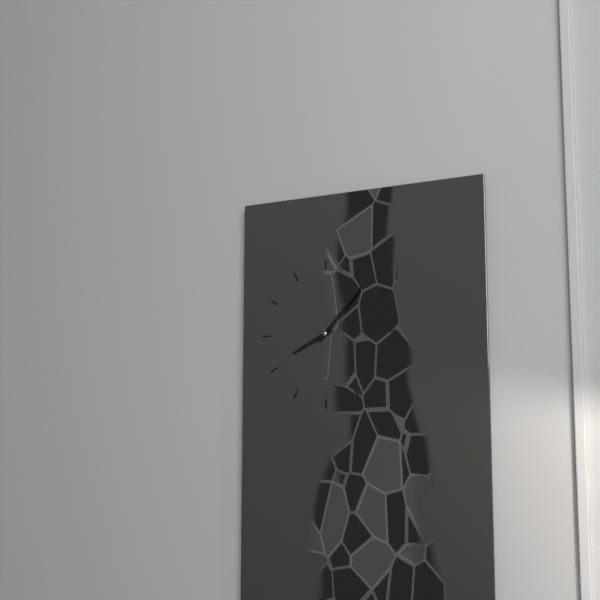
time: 8:07
